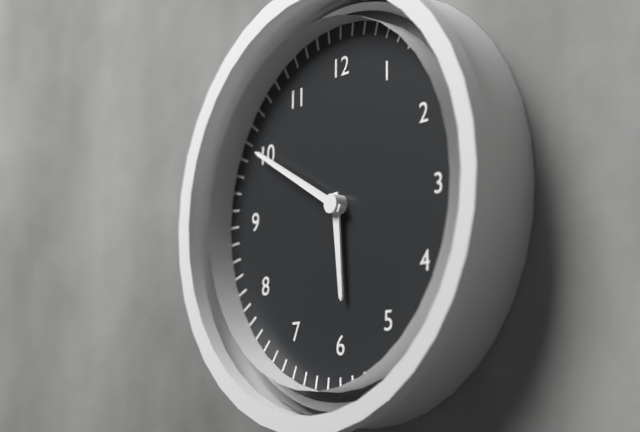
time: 5:50
